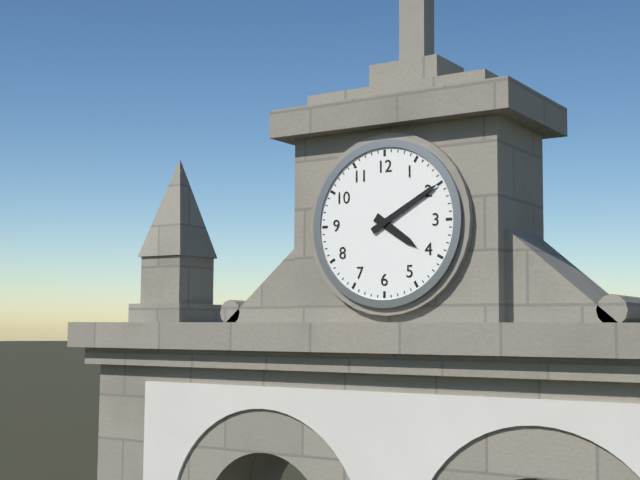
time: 4:10
